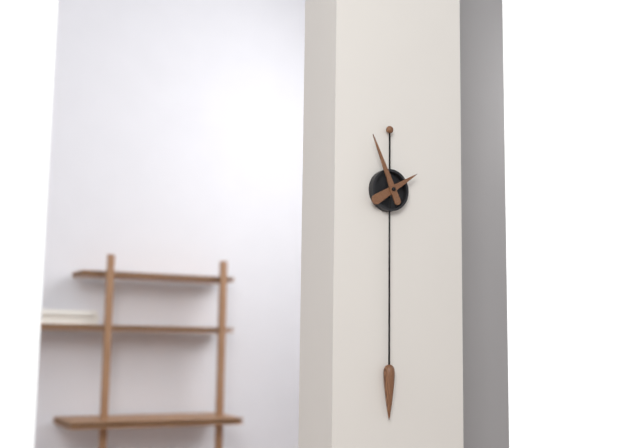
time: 1:56
